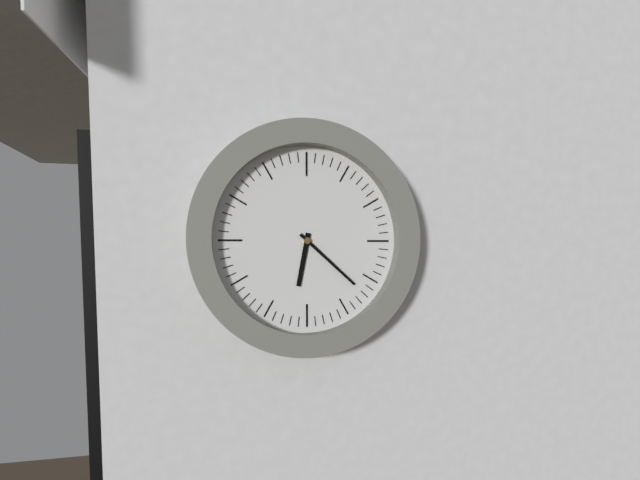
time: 6:22
